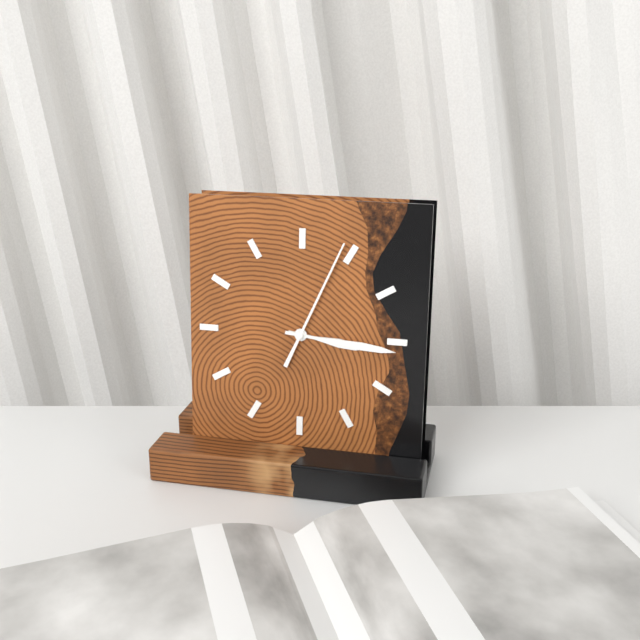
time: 3:16:04
